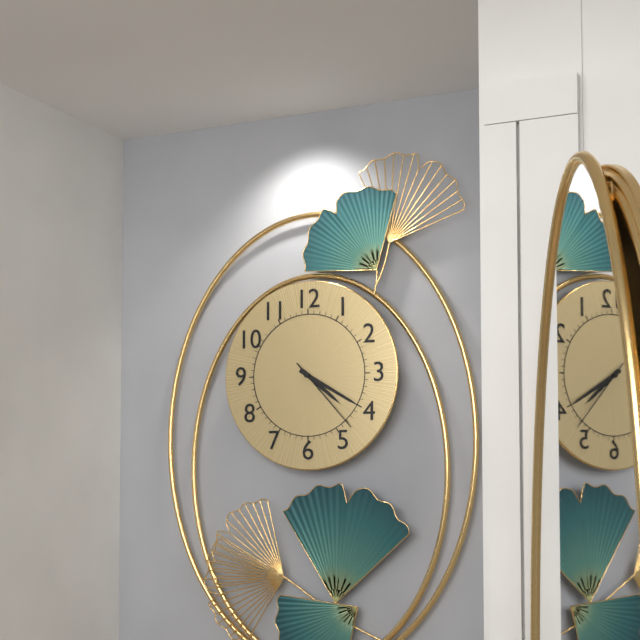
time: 4:20:23
